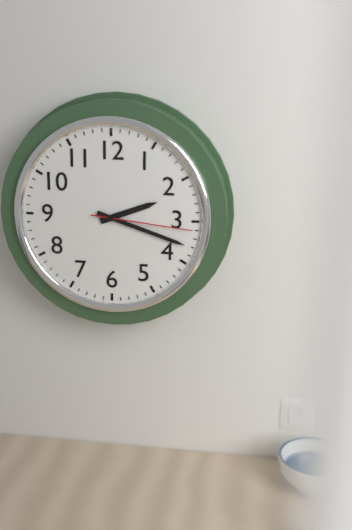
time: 2:18:16
